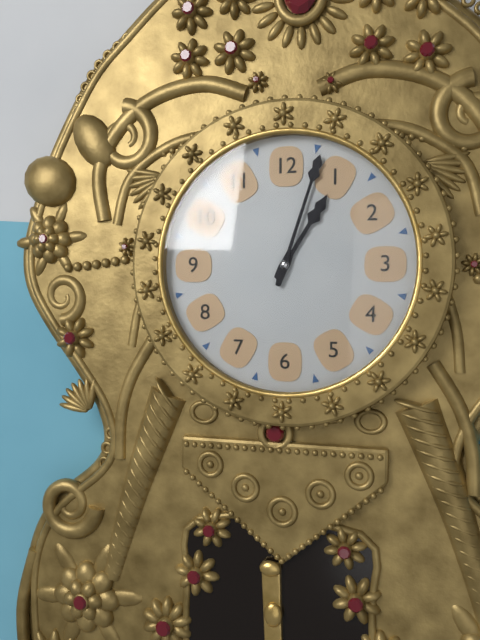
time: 1:03
